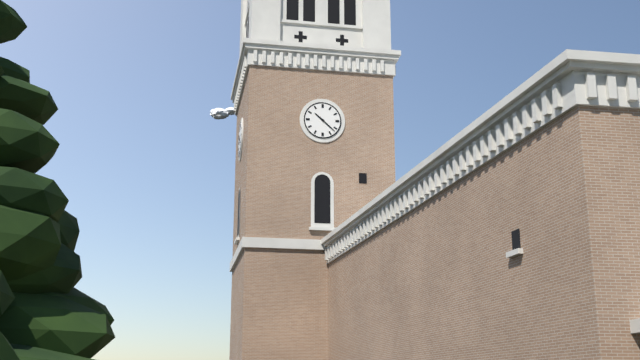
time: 10:22
